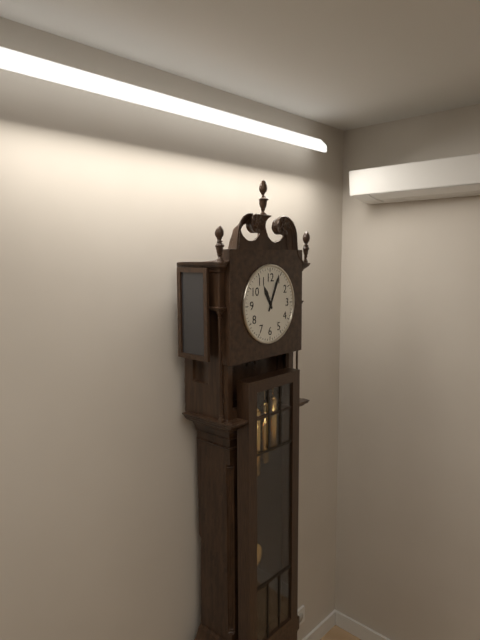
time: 11:04
